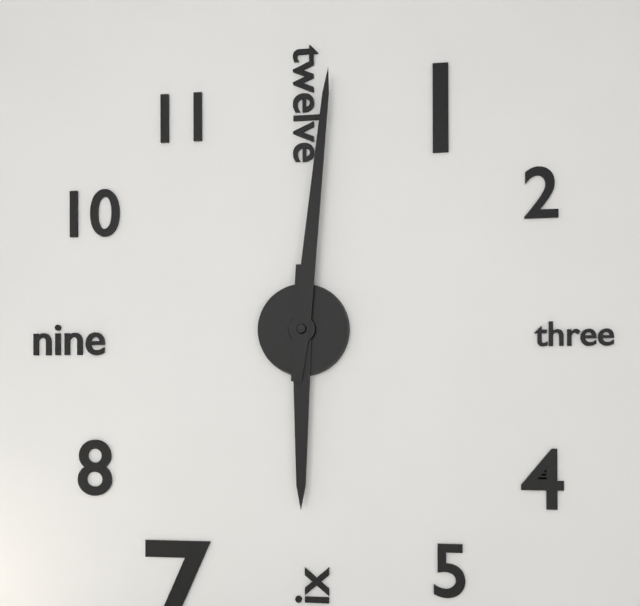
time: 6:01
